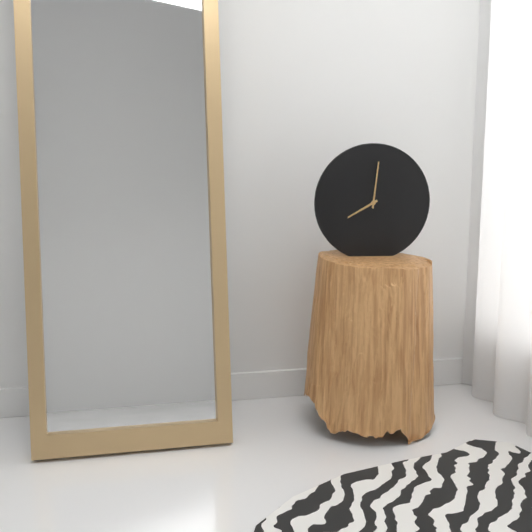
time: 8:01
